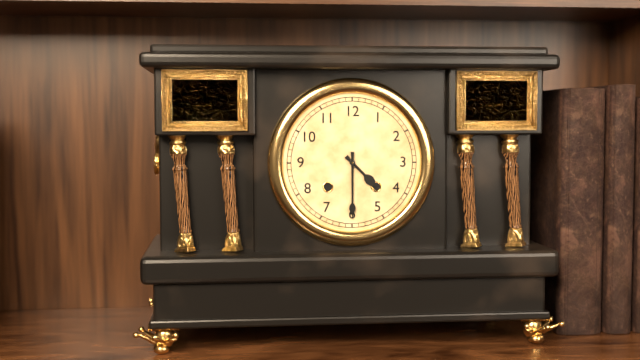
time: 4:30
